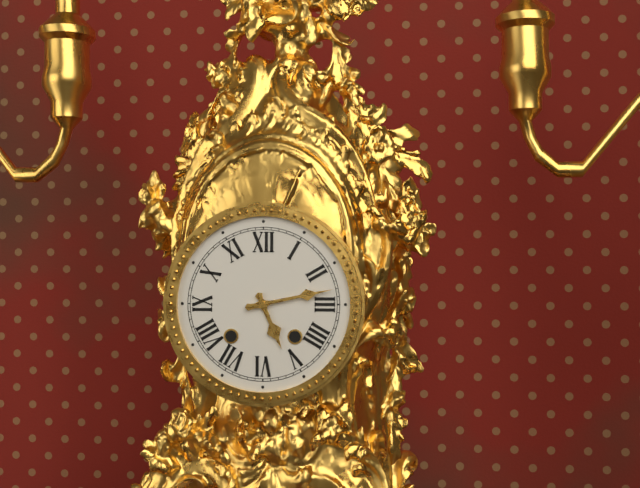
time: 5:13
